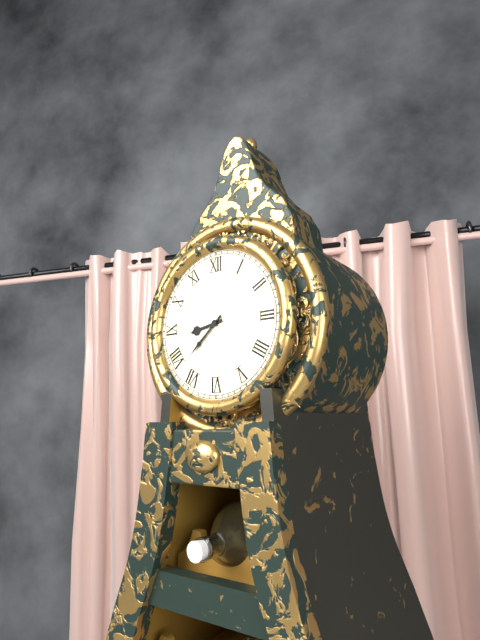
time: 8:38
